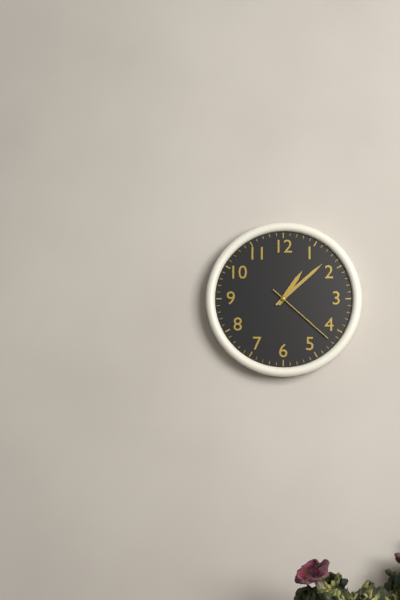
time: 1:08:22
